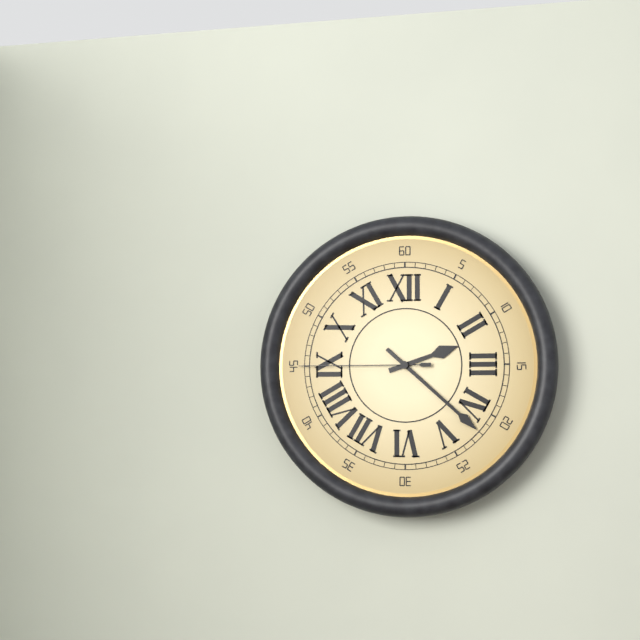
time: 2:22:45
